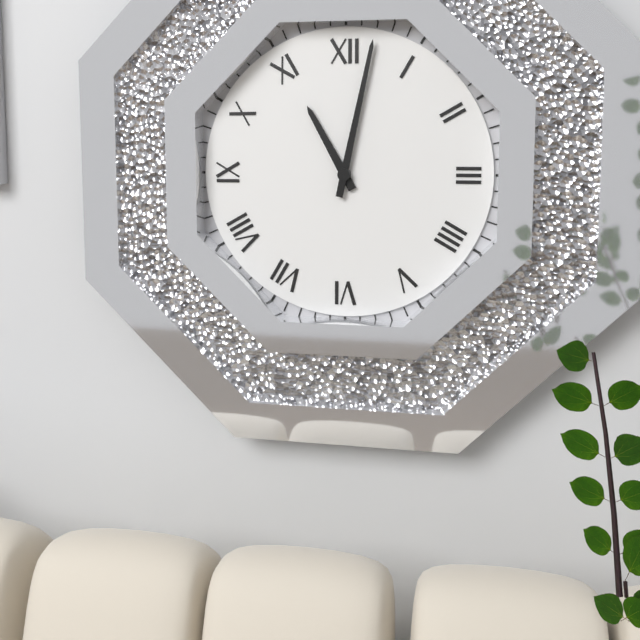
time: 11:02
